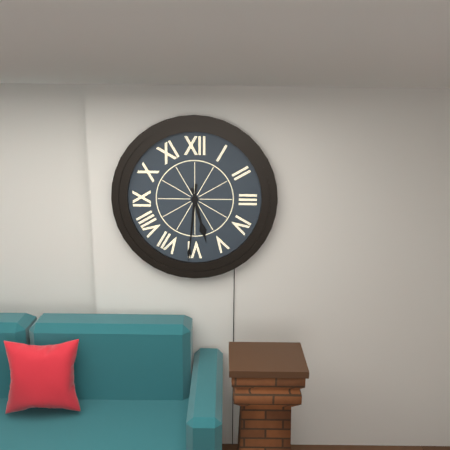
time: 5:31
